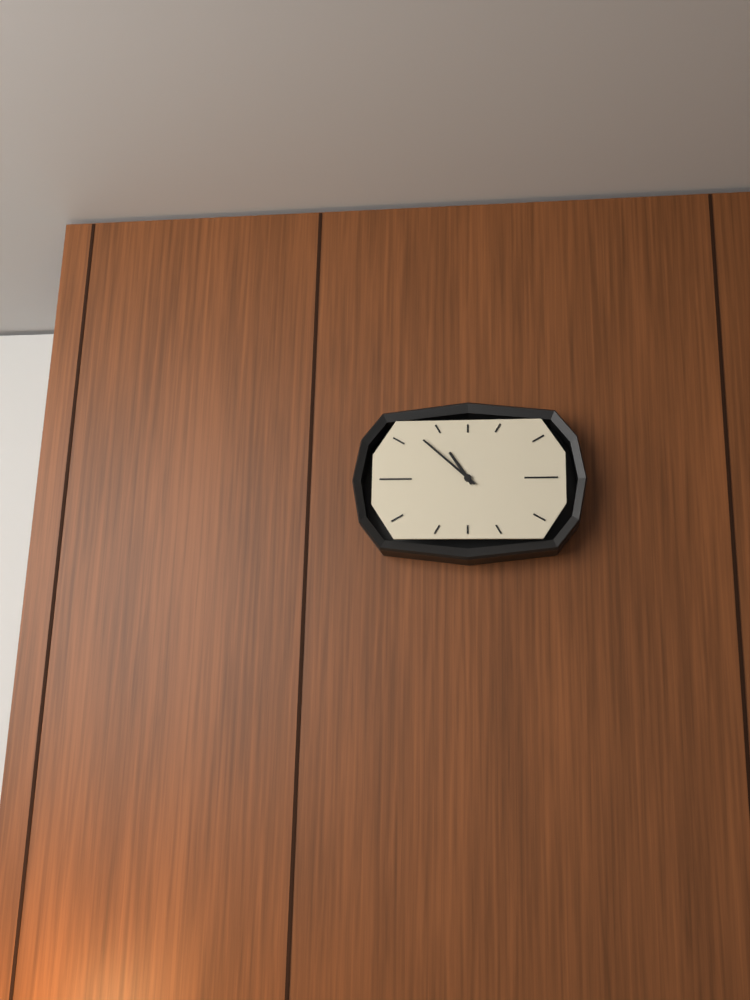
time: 10:52
